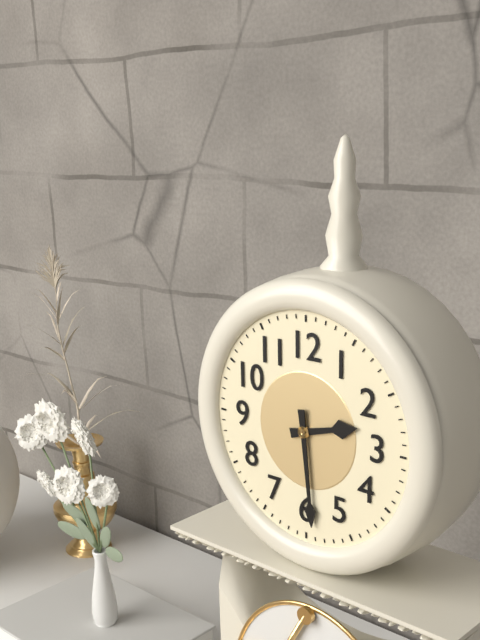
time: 2:29
